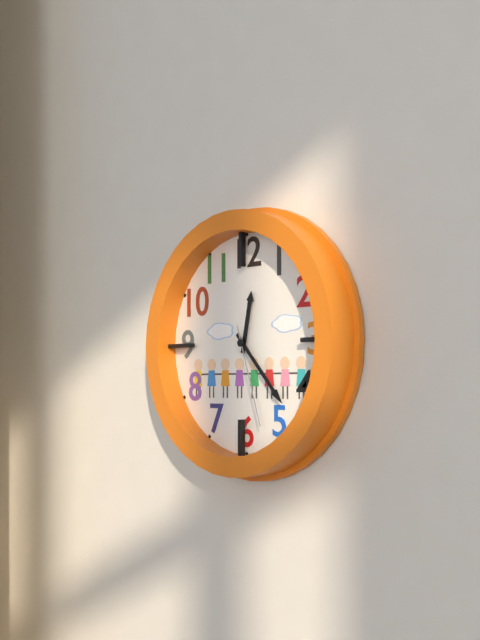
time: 12:23:27
